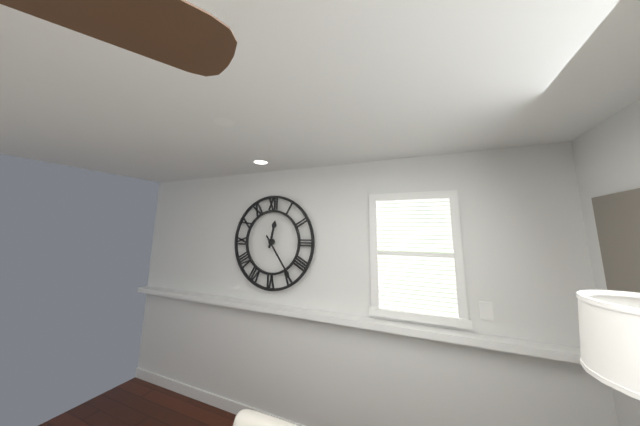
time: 12:24
